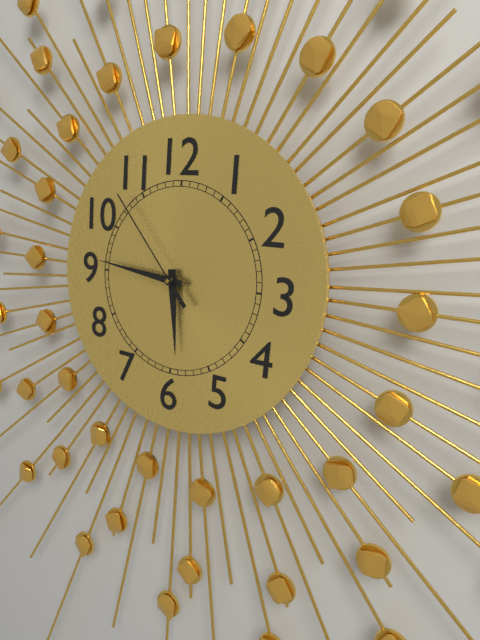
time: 5:46:53
